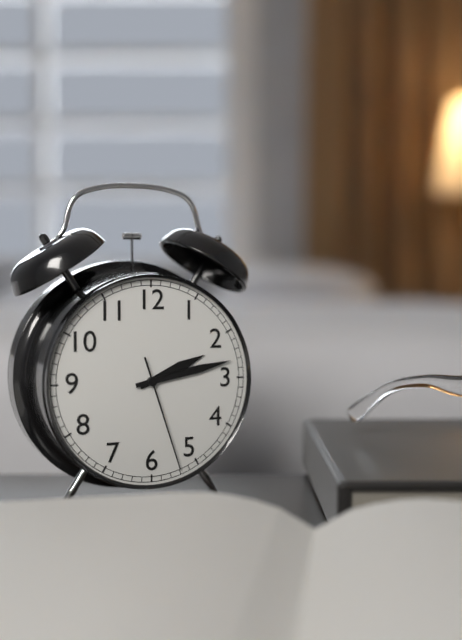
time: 2:13:27
